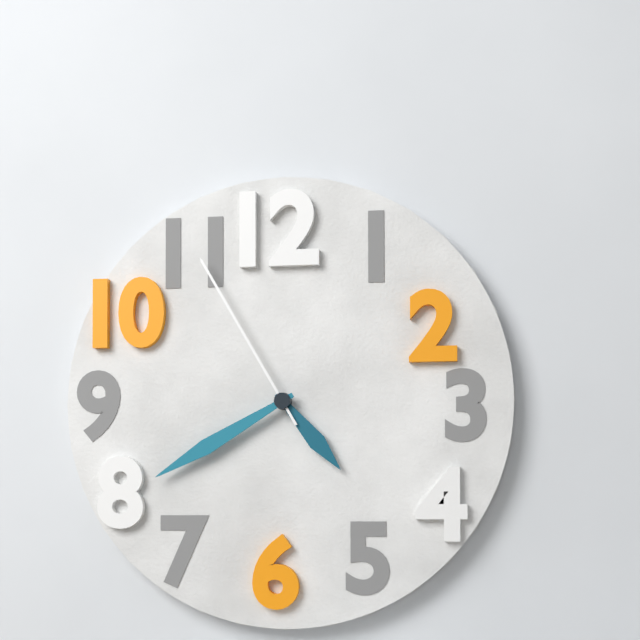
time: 4:40:55
